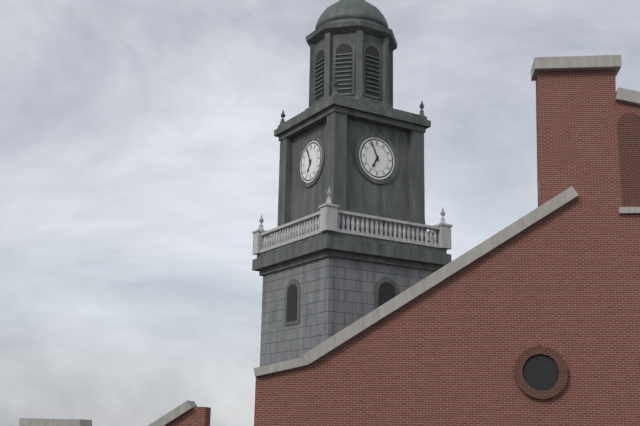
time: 6:56
